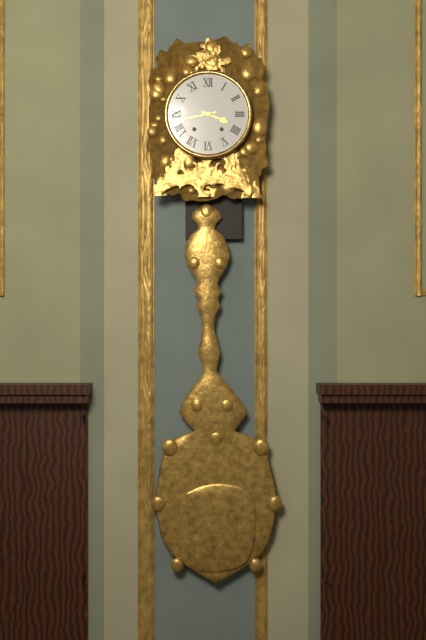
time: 3:43
